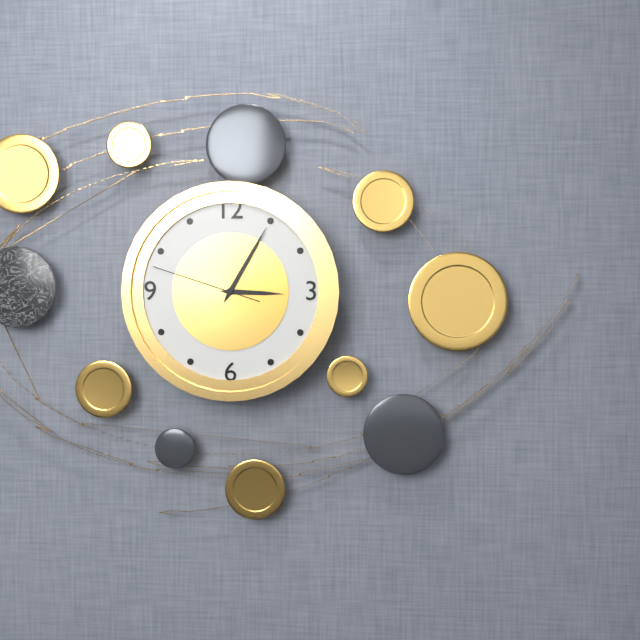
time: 3:05:48
